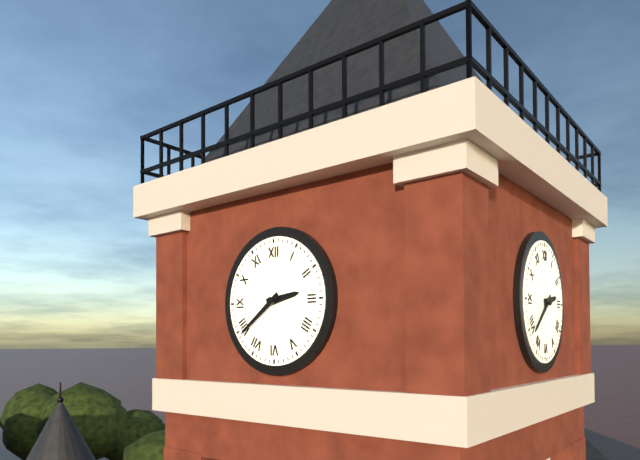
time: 2:39
